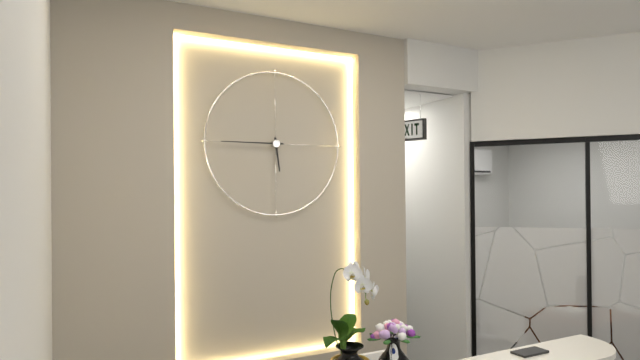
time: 5:45
